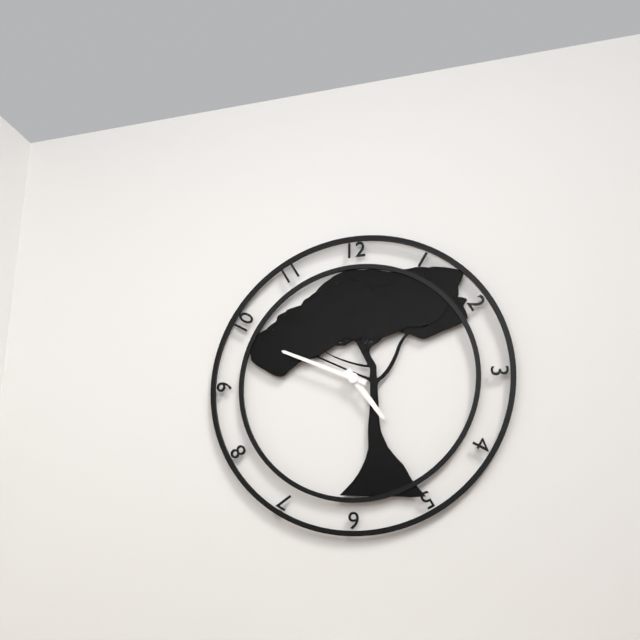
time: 4:49
